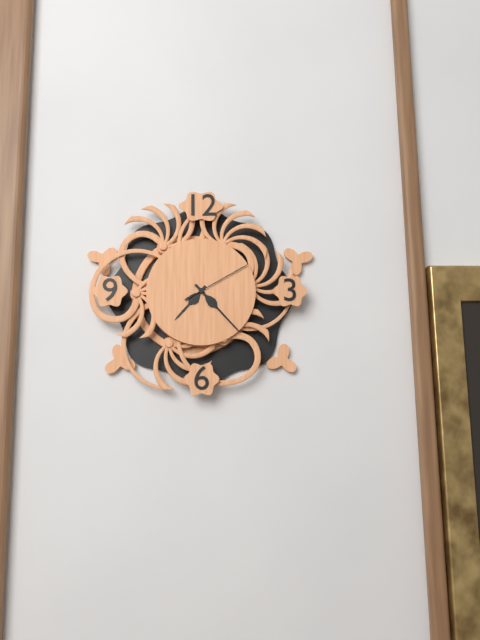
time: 7:23:10
